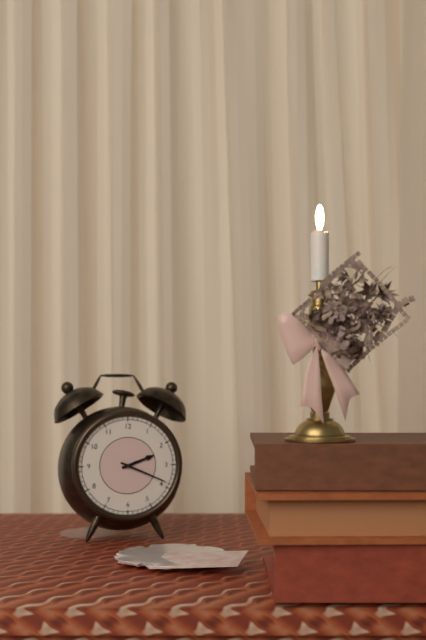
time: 2:19
